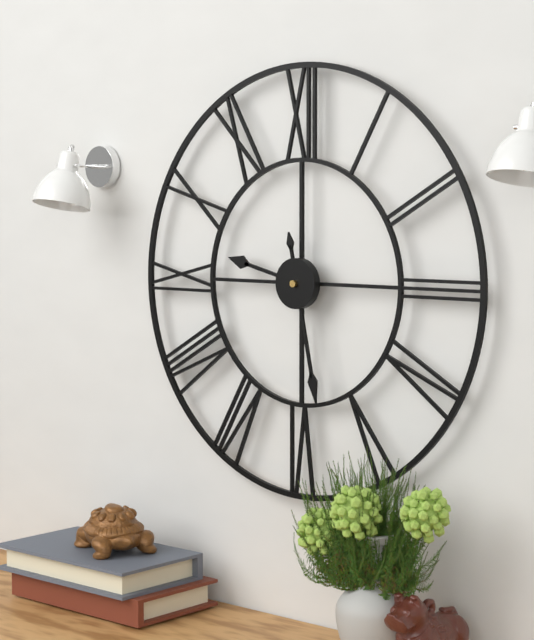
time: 9:28
